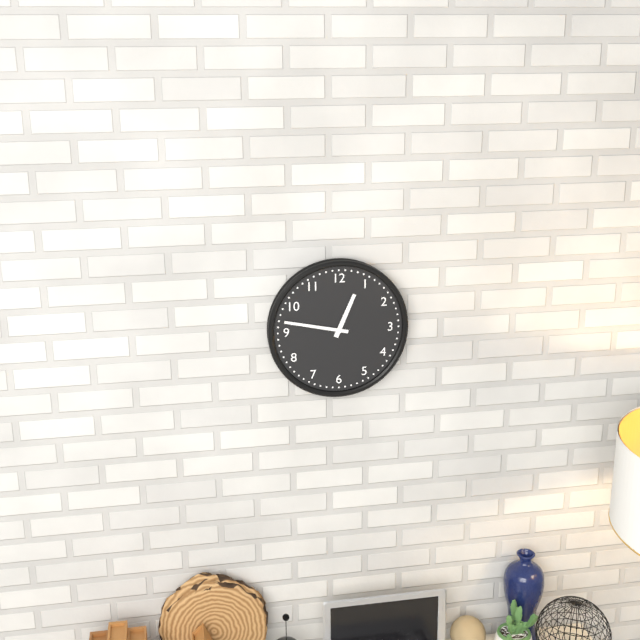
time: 12:47
